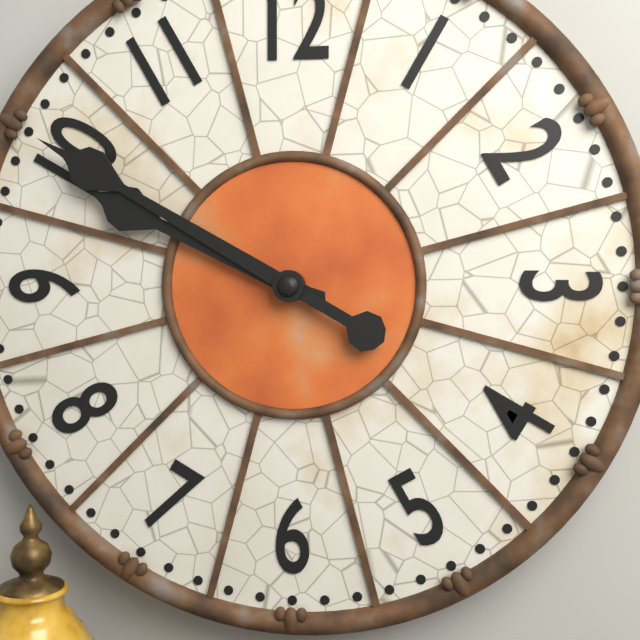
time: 9:50
